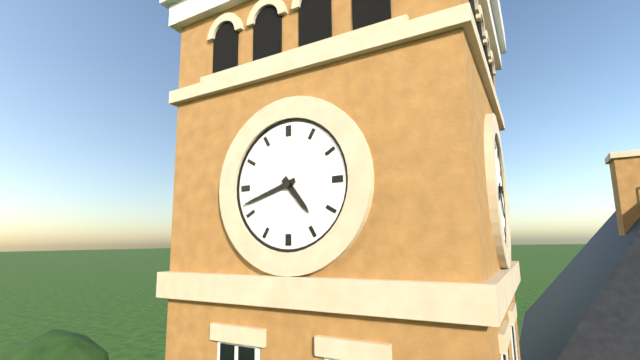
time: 4:42
